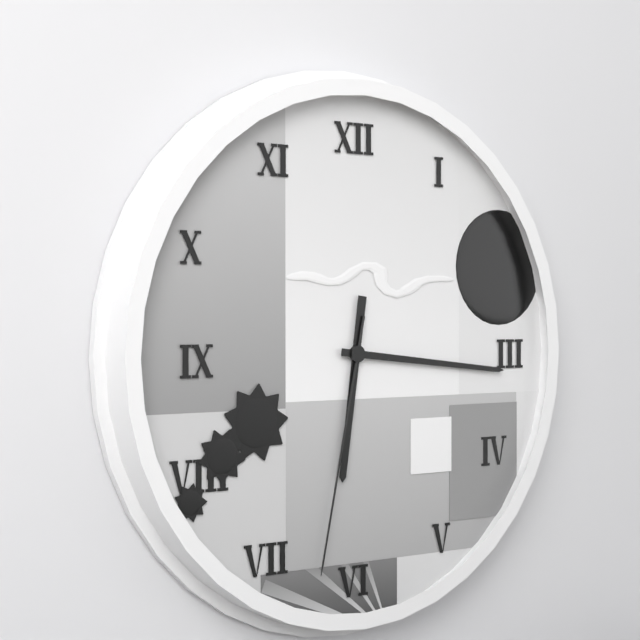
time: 6:16:32
